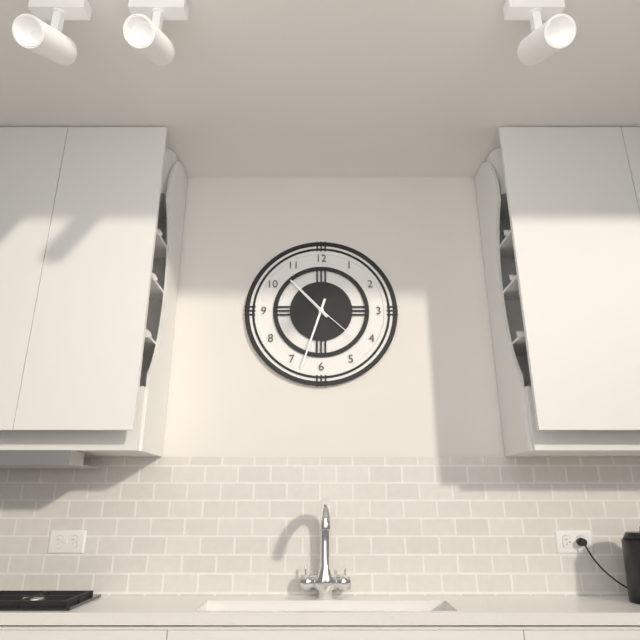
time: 10:33:22
